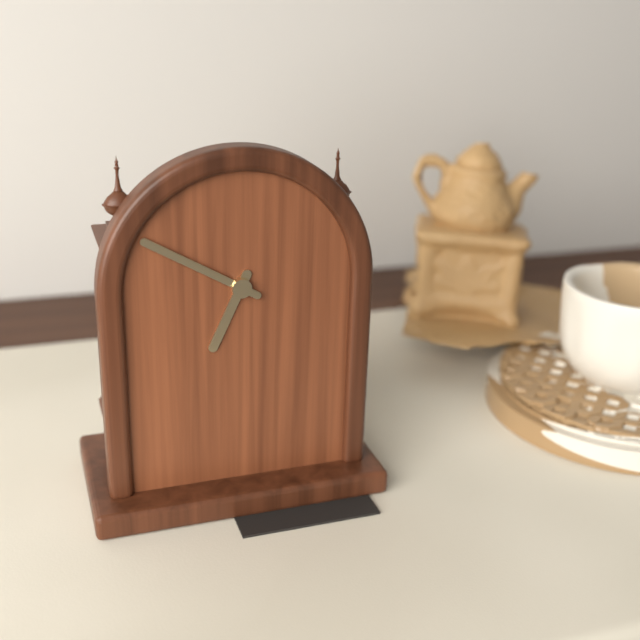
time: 6:50
